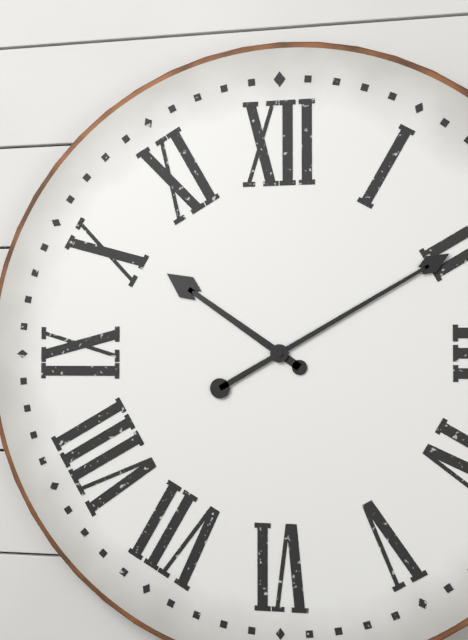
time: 10:10
